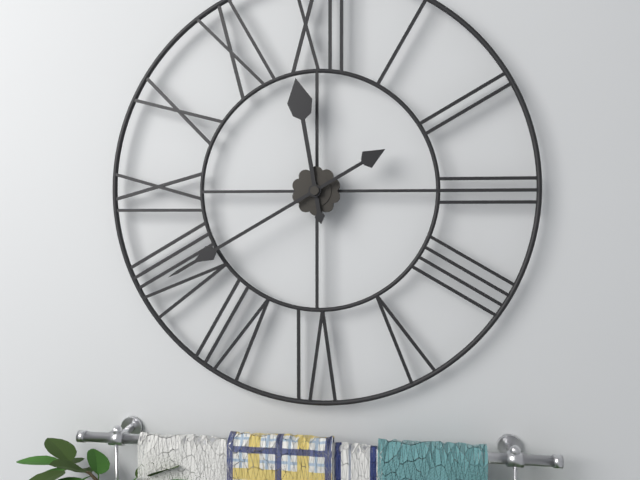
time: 11:40
